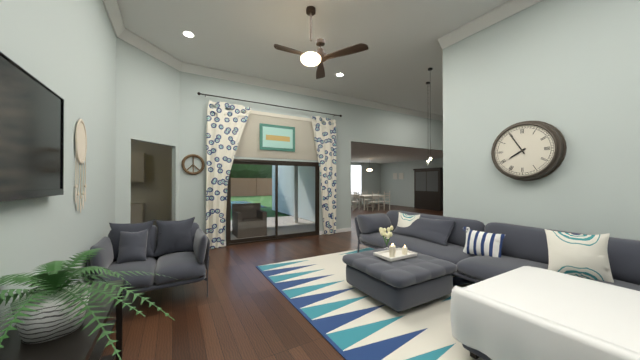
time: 7:55
